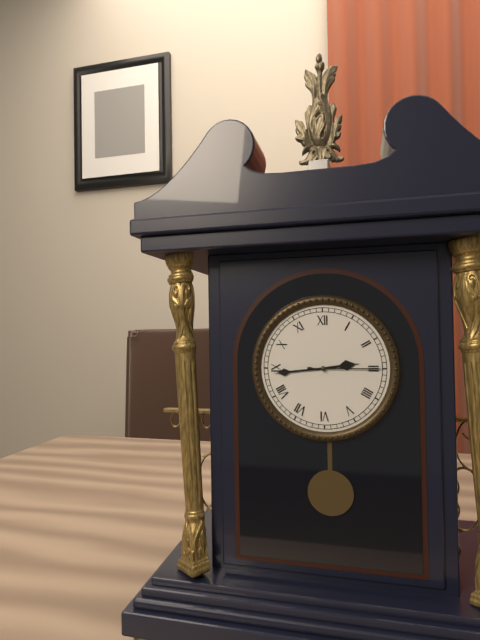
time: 2:44:15
